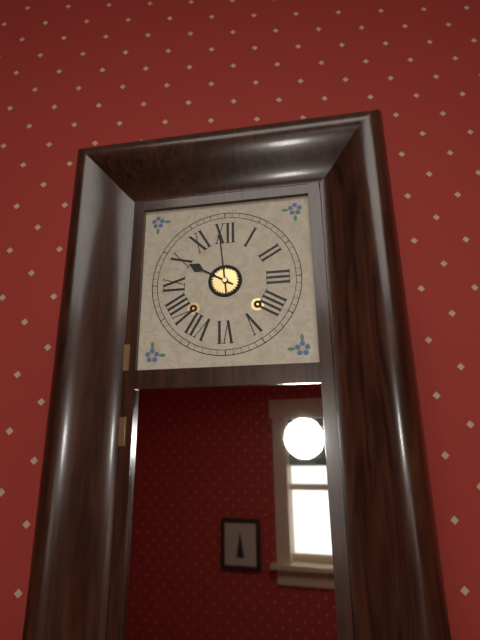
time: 9:59
